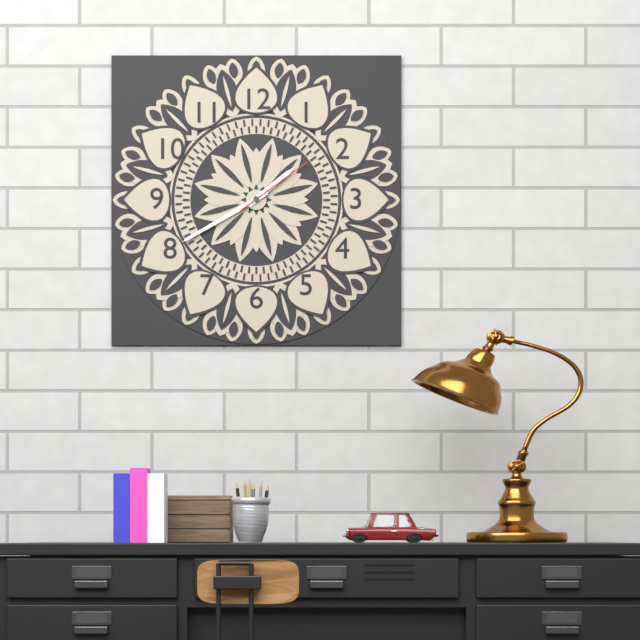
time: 1:40:09
